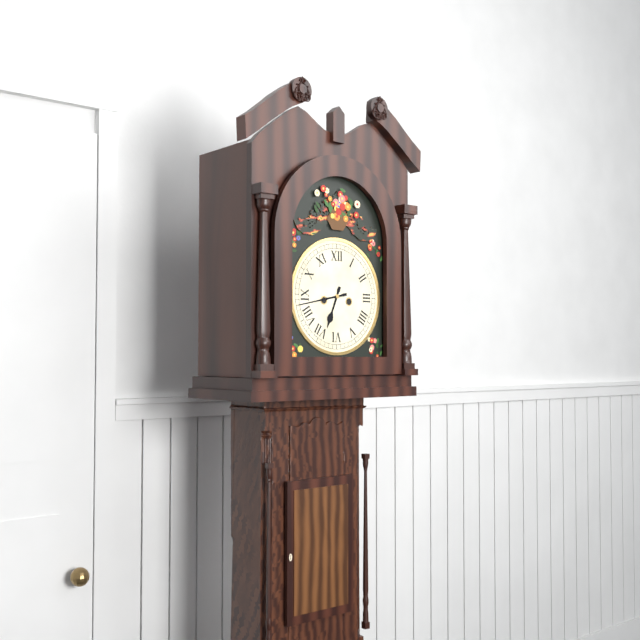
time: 6:43
